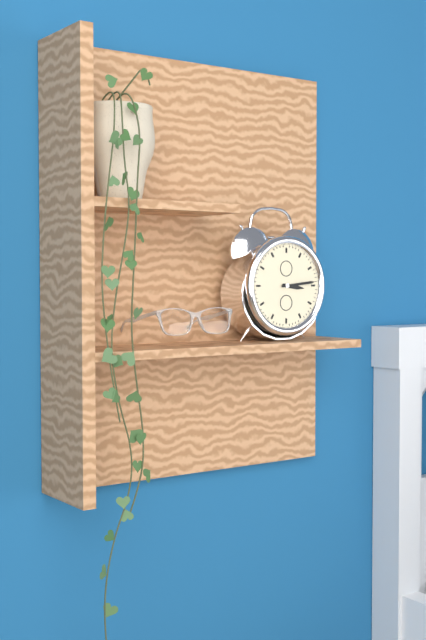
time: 3:14
